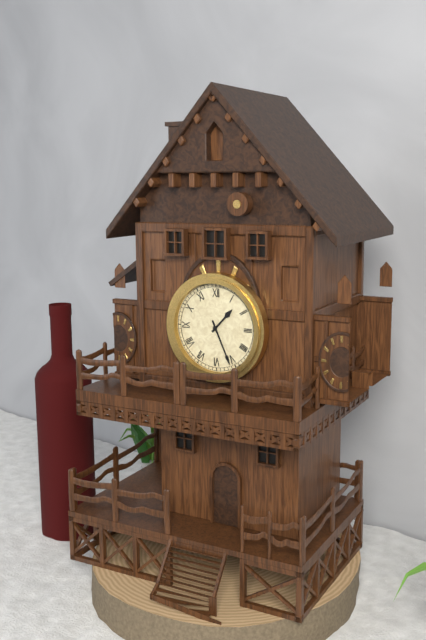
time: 1:26
